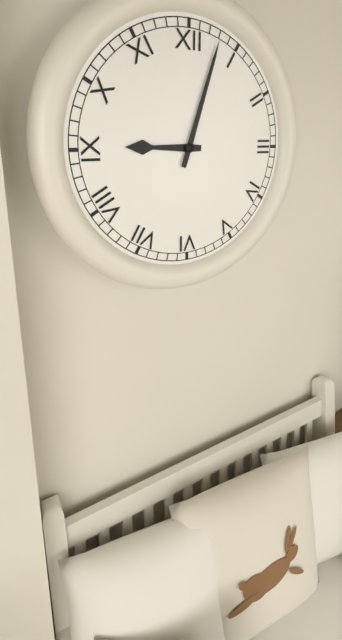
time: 9:03
